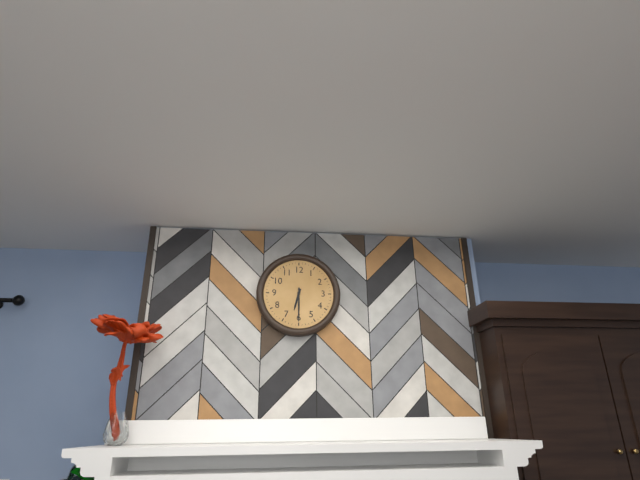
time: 6:30
